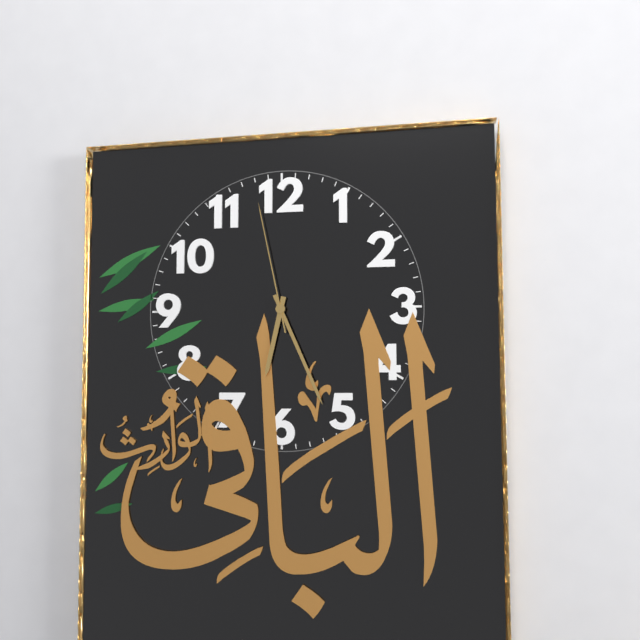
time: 6:26:58
